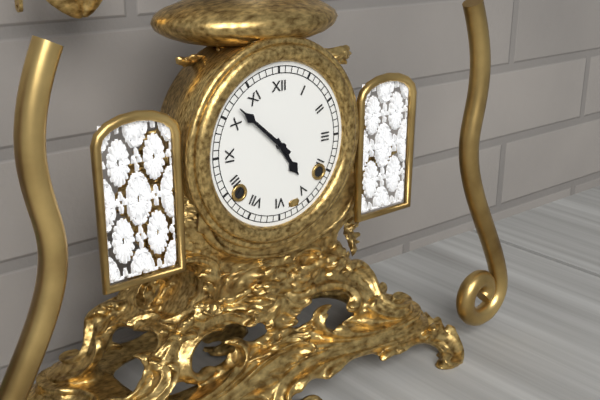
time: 4:52
